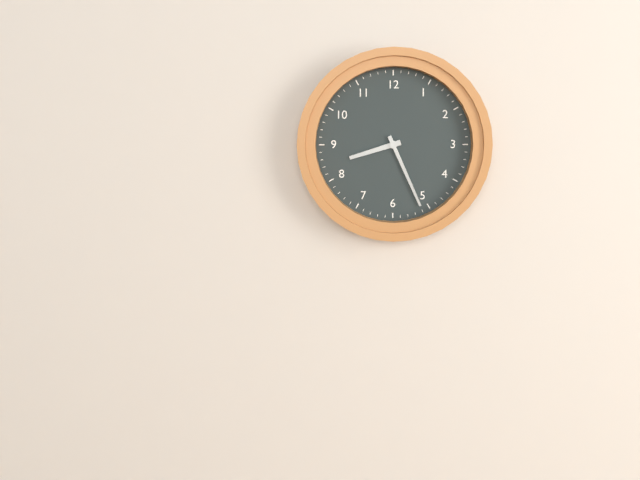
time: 8:26
